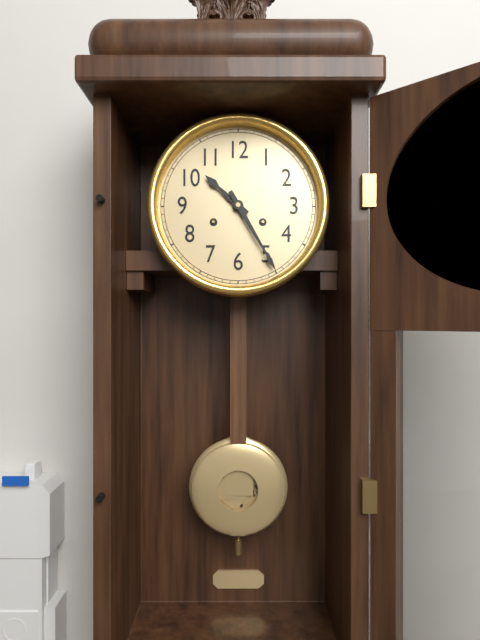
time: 10:25
